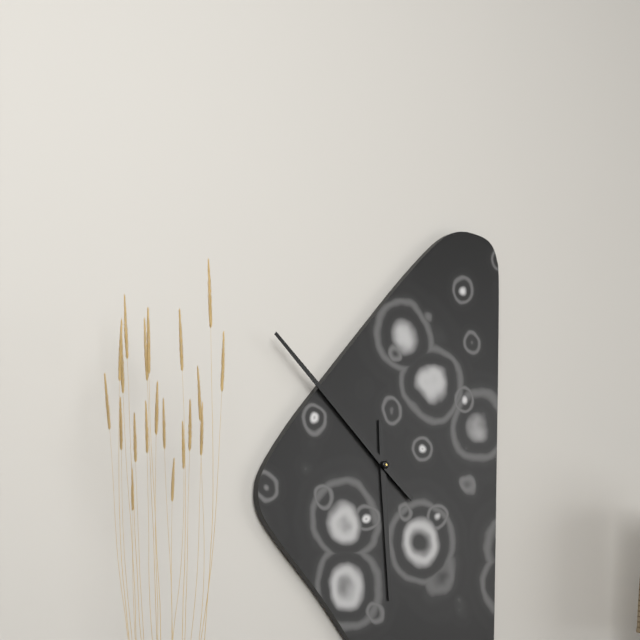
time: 5:52
